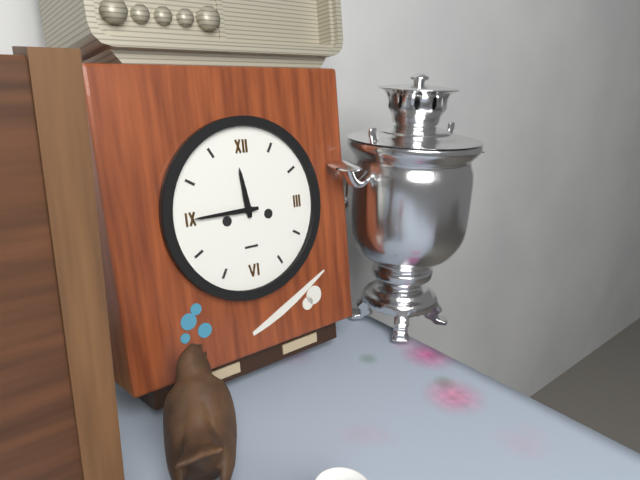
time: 11:45
